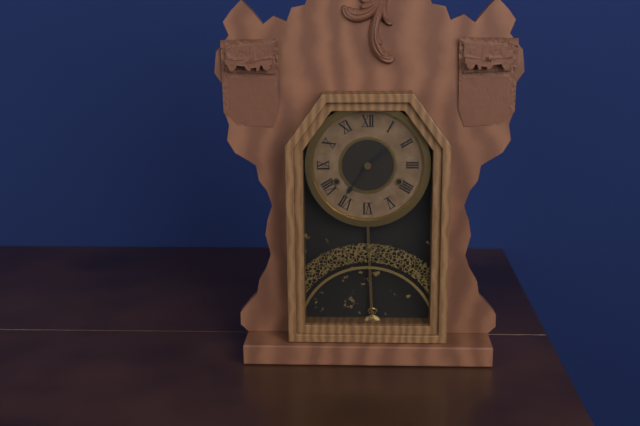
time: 1:36
